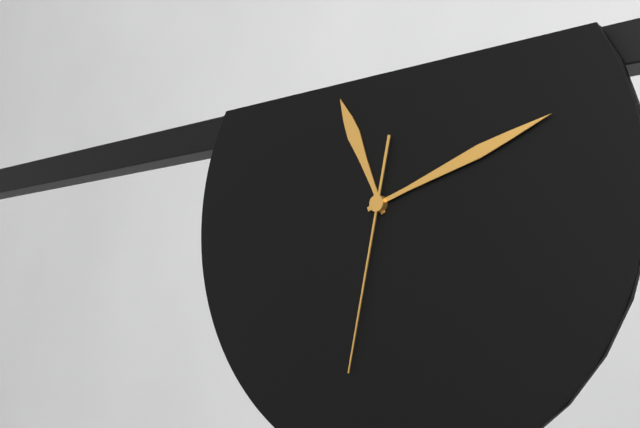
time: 11:12:32
